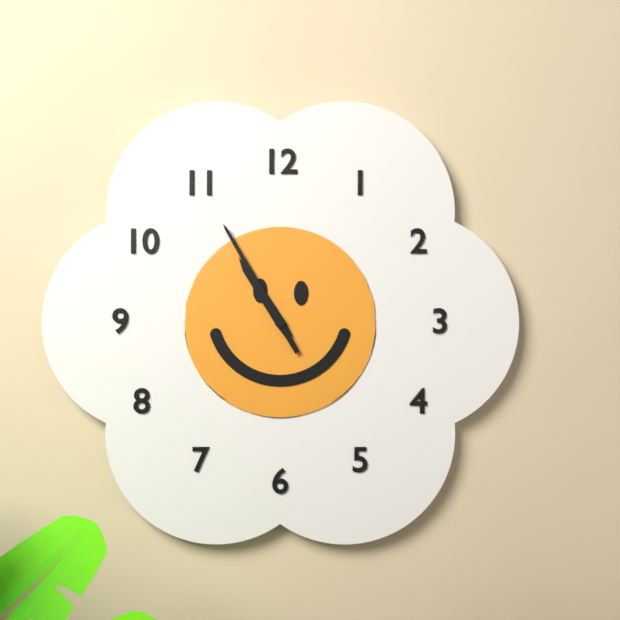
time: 10:55
